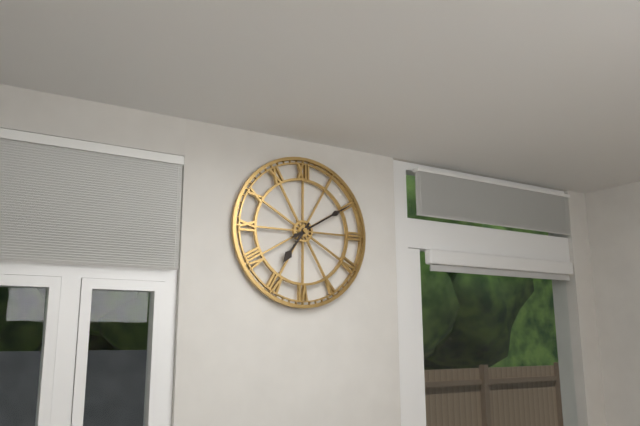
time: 7:10
